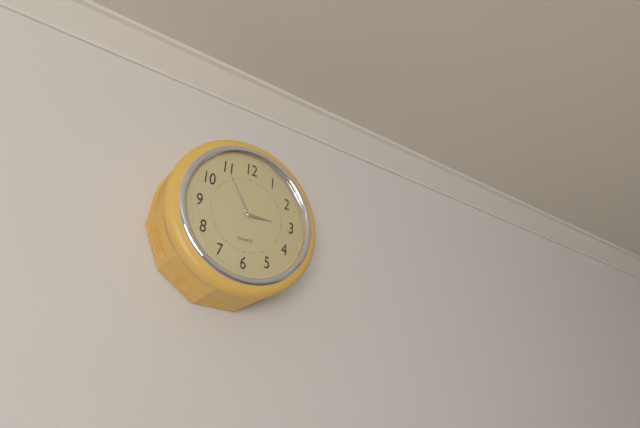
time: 2:55
